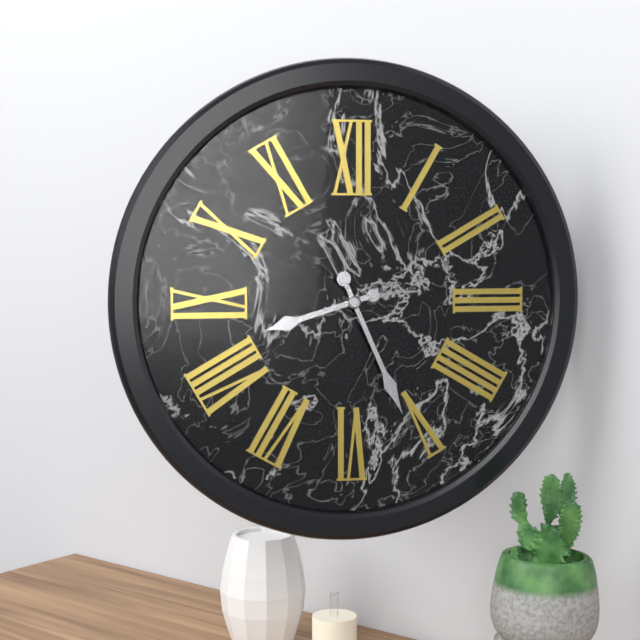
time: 8:26
